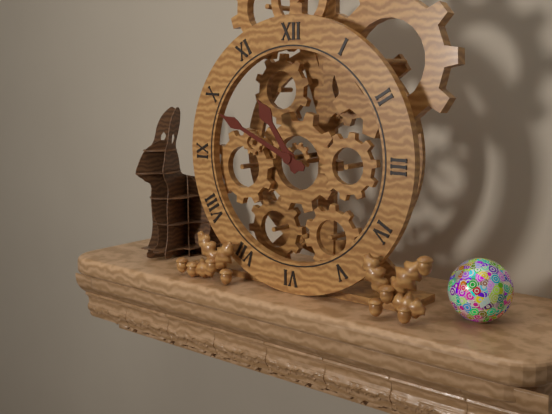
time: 10:49
